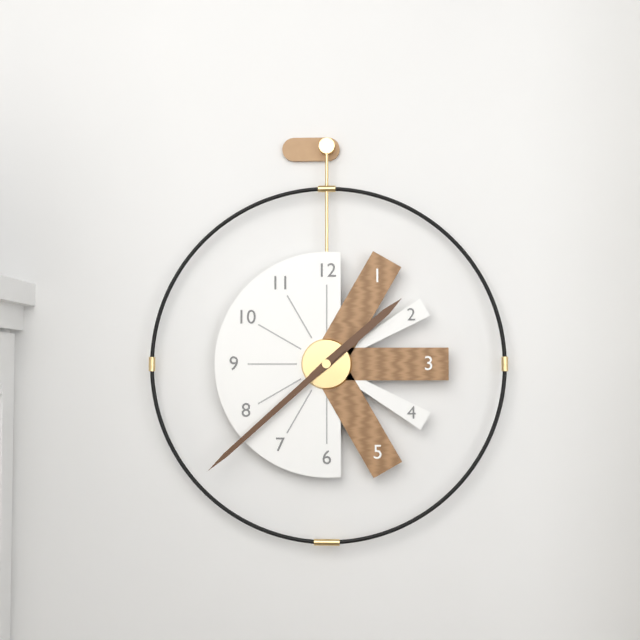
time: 1:38
